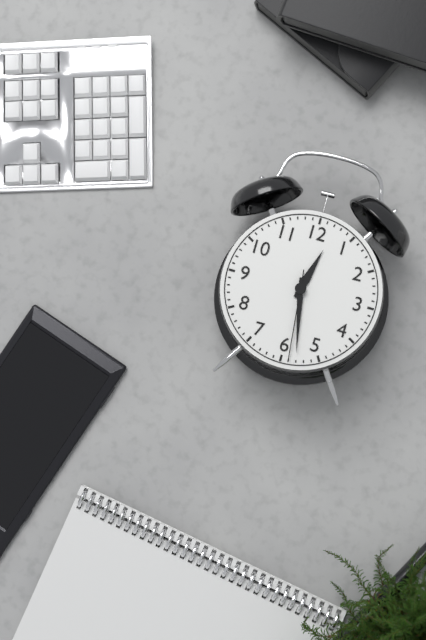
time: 12:28:29
